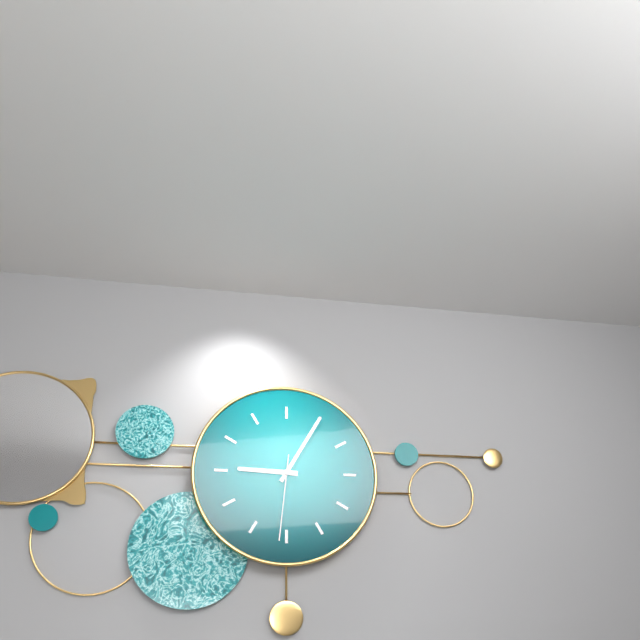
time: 9:05:31
